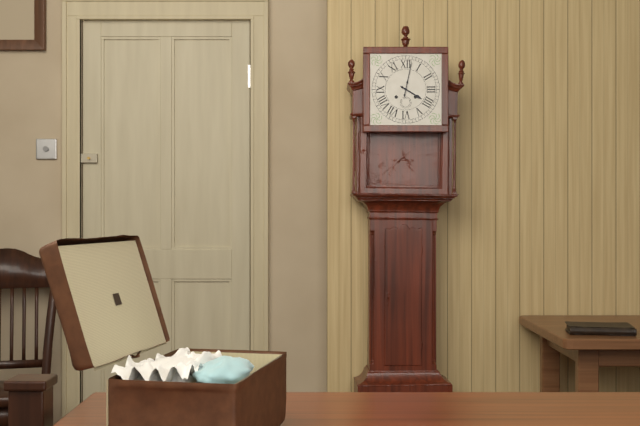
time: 4:02
